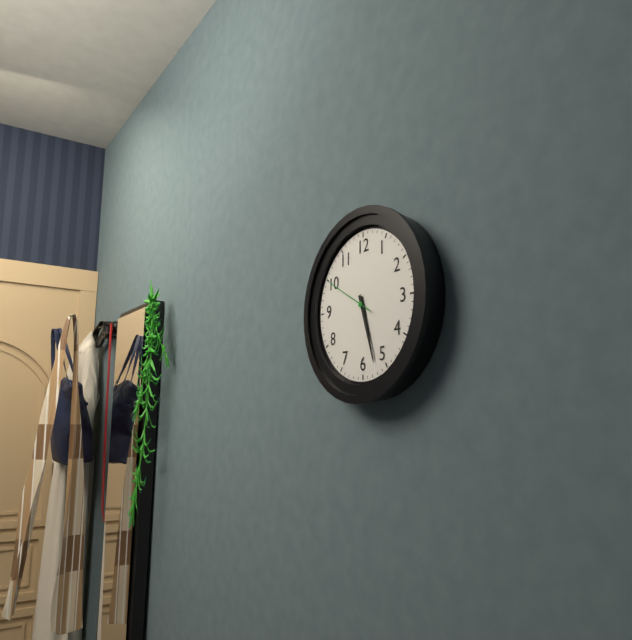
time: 5:27:50
